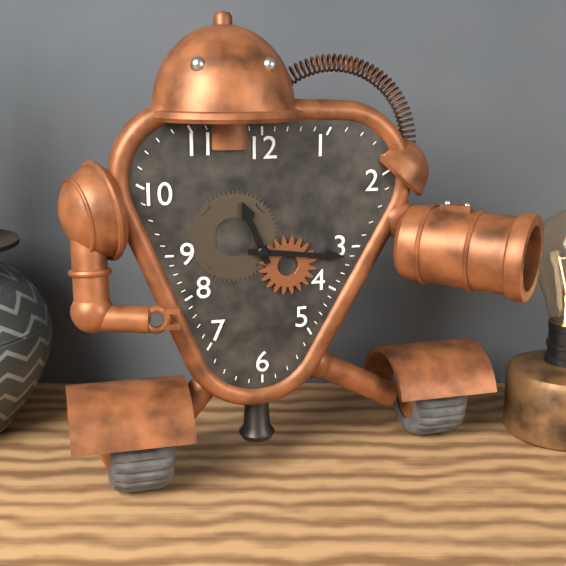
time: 11:16
